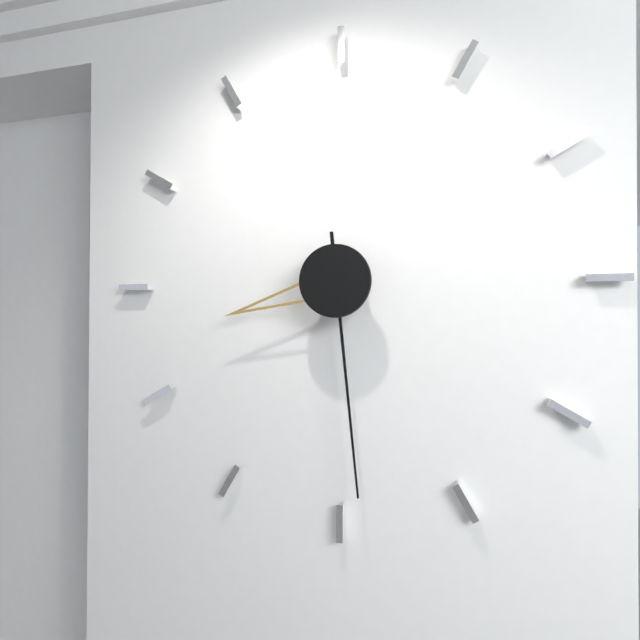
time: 8:29
